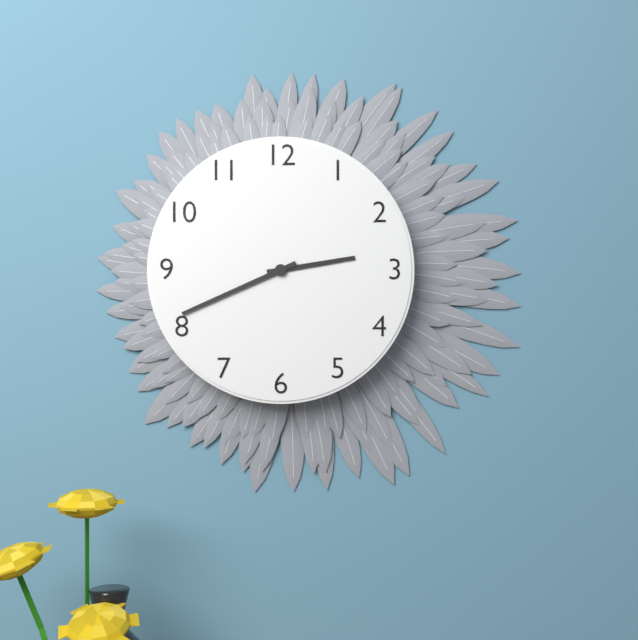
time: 2:41
